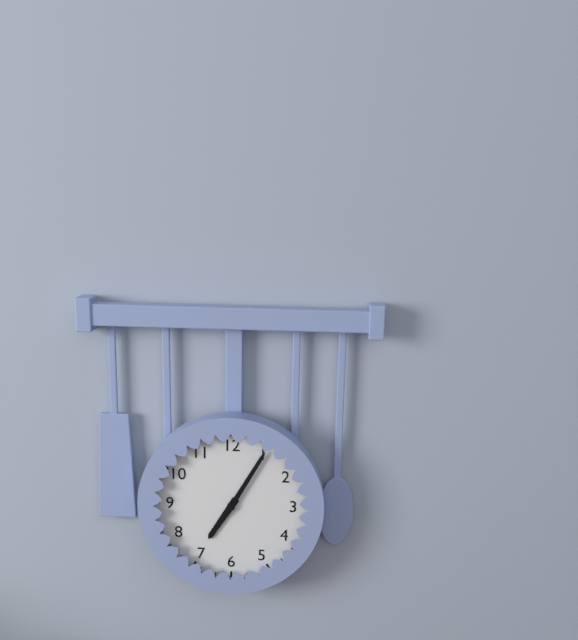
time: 7:05
